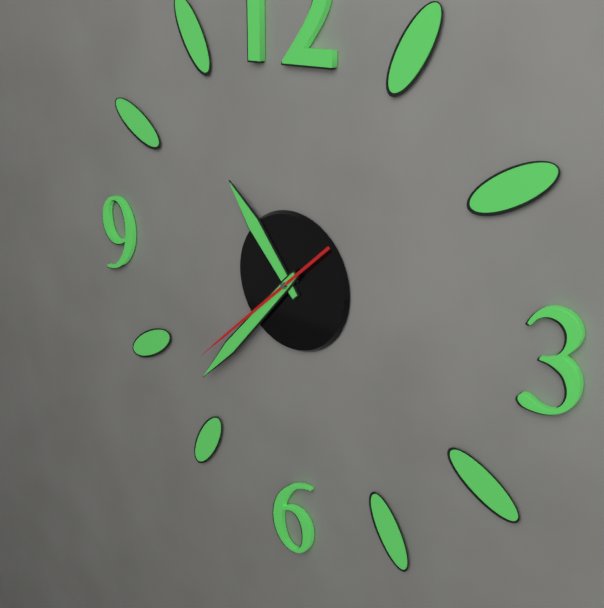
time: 10:37:38
